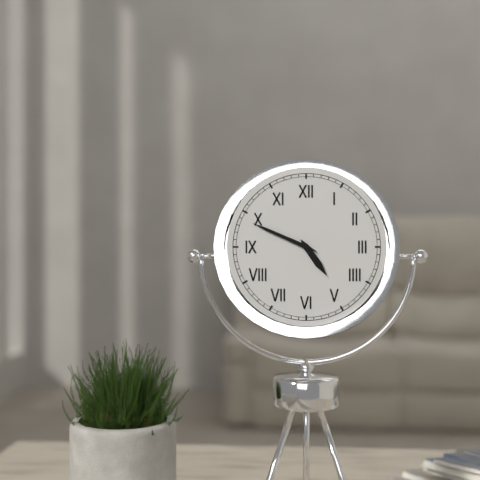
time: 4:49
